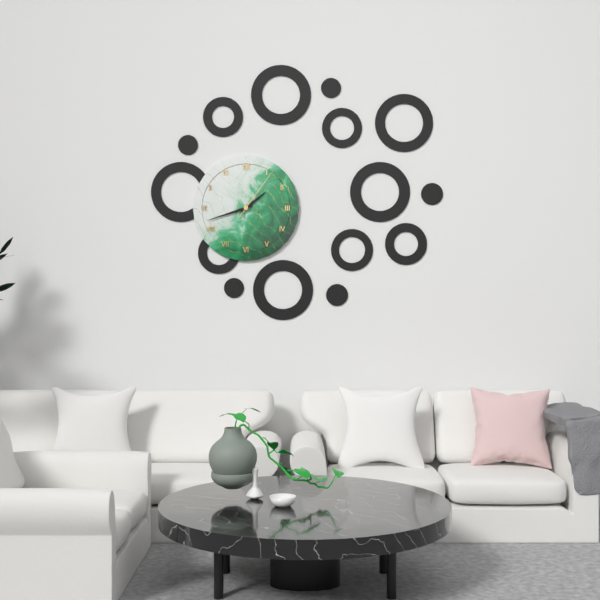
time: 1:42:06
